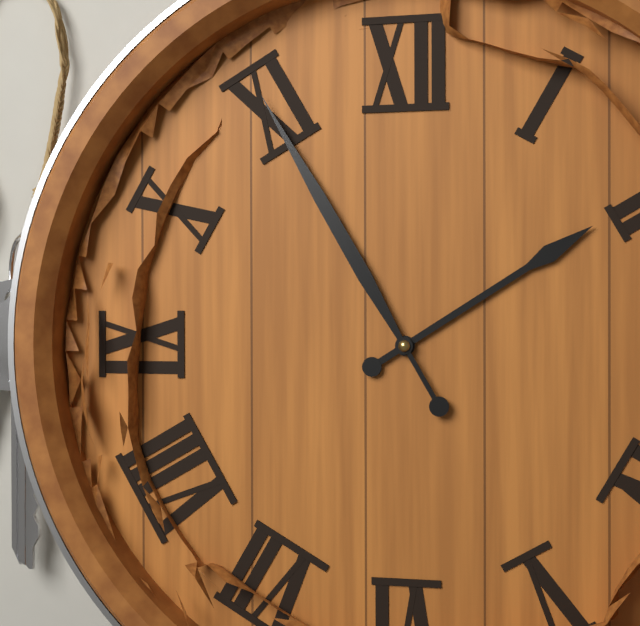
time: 1:55
